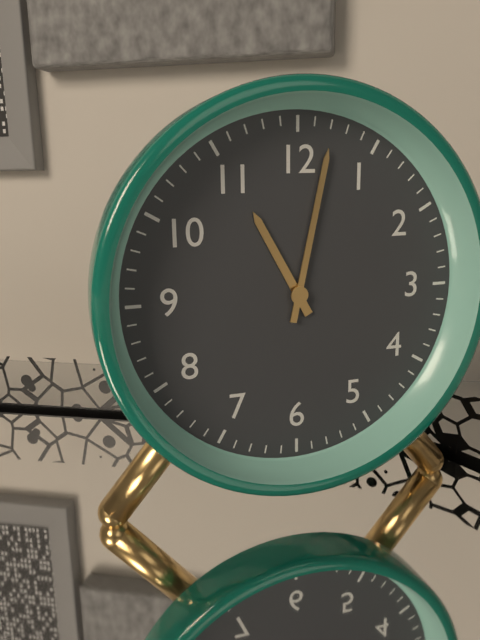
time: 11:02
